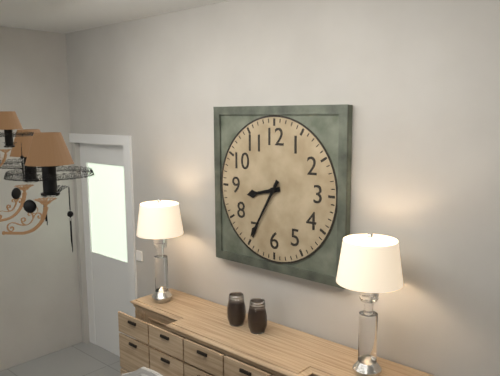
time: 8:35
